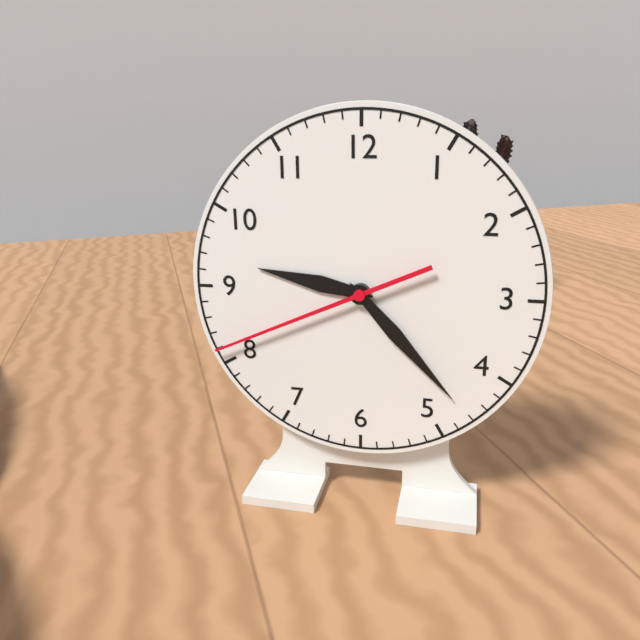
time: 9:23:41
